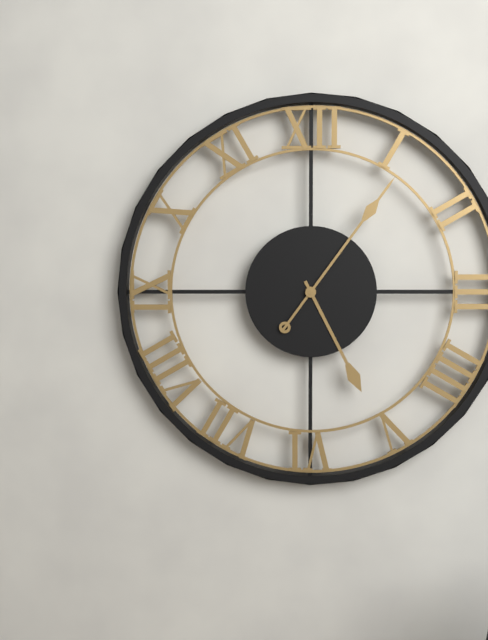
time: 5:06
